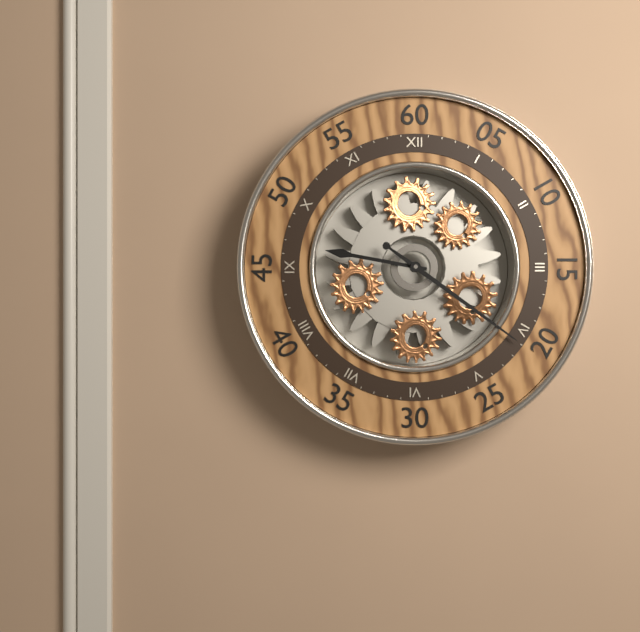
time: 9:21
